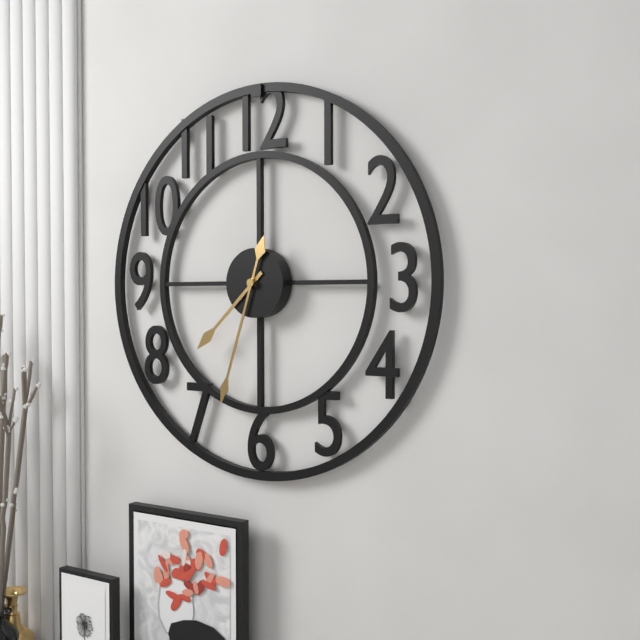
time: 7:33
